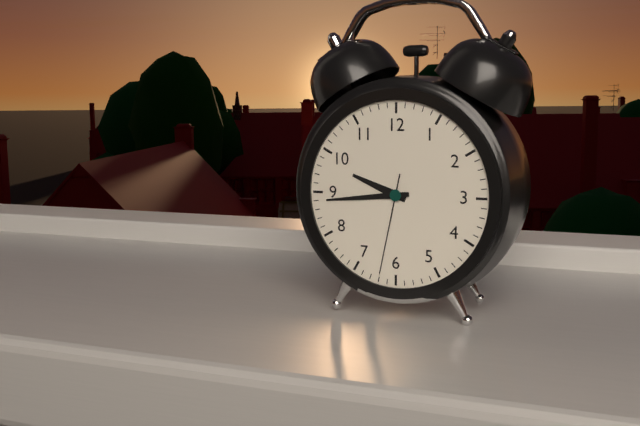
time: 9:44:32
